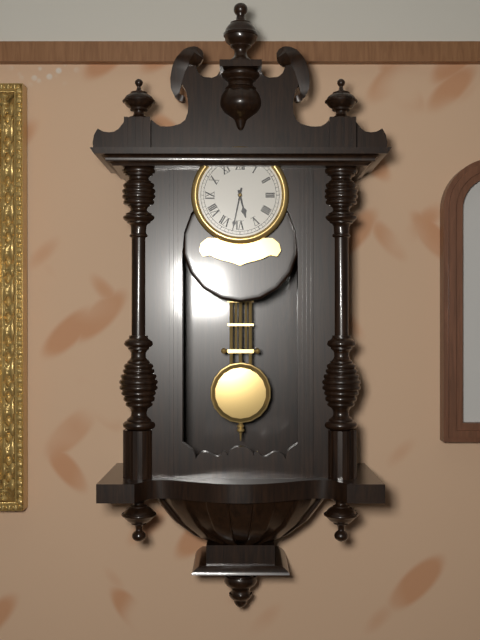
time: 5:32
